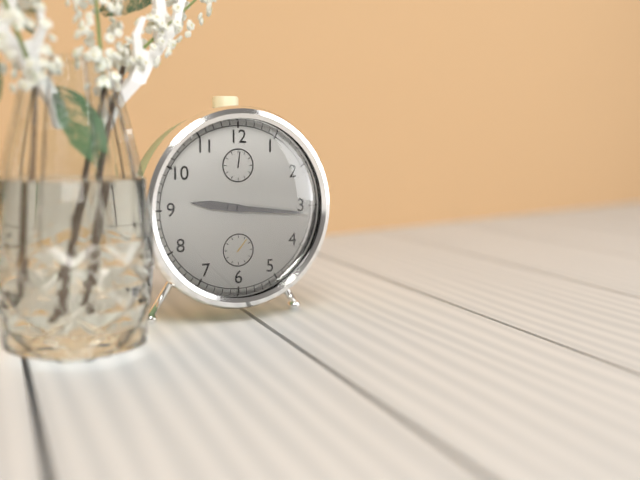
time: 9:16
